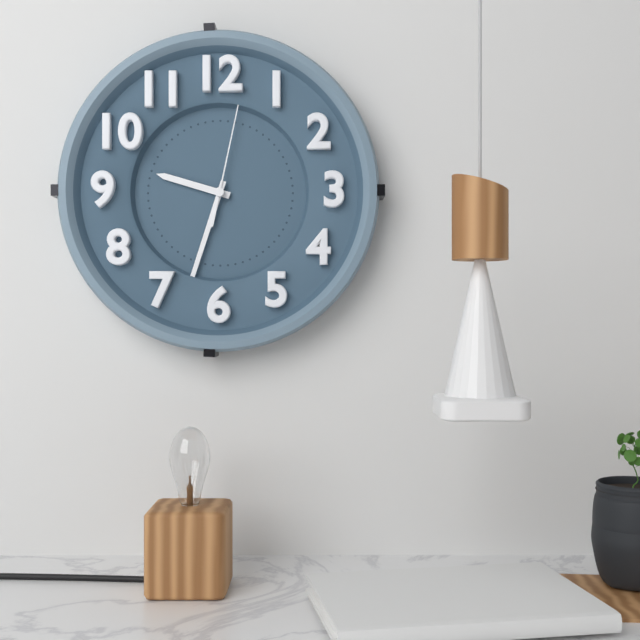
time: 9:33:02
